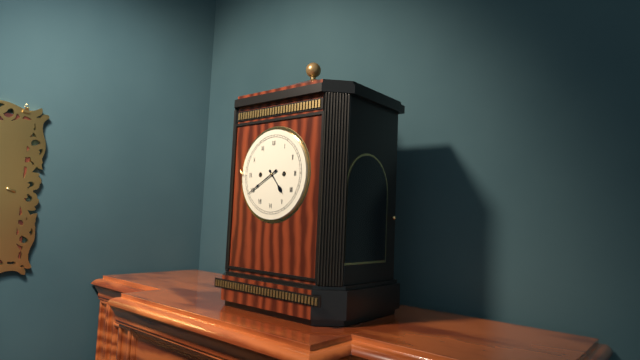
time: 4:40
